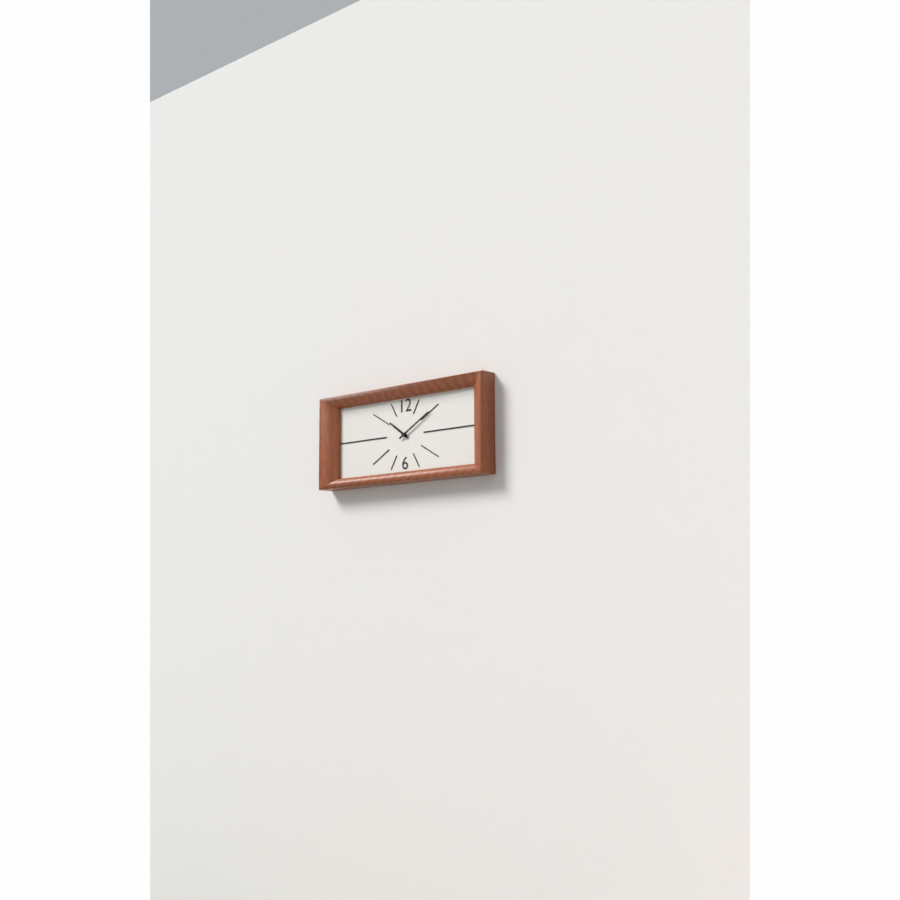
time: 10:10
